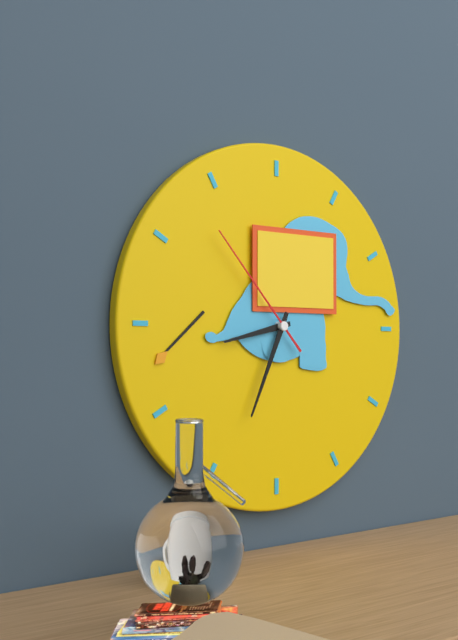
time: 8:34:53
